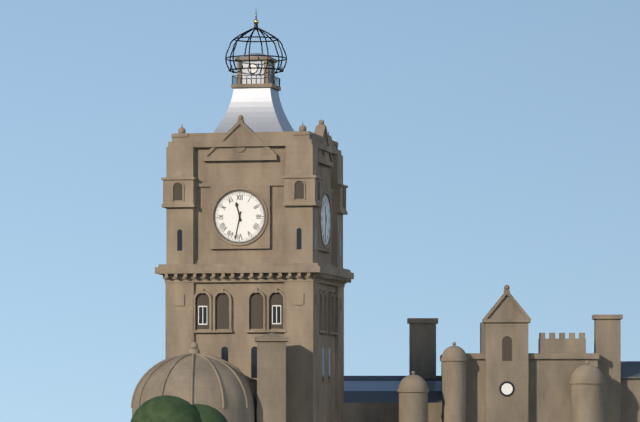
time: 11:32
